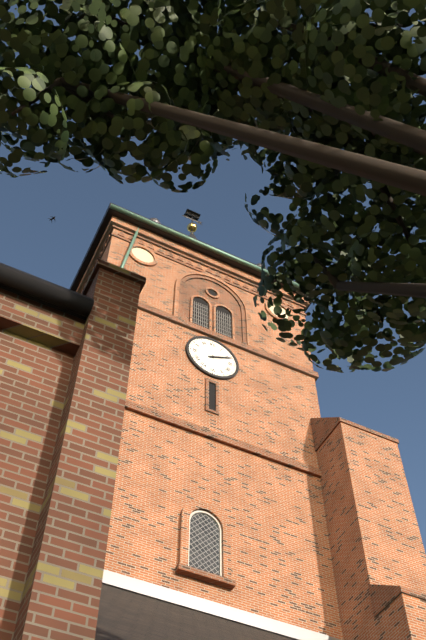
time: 2:11
